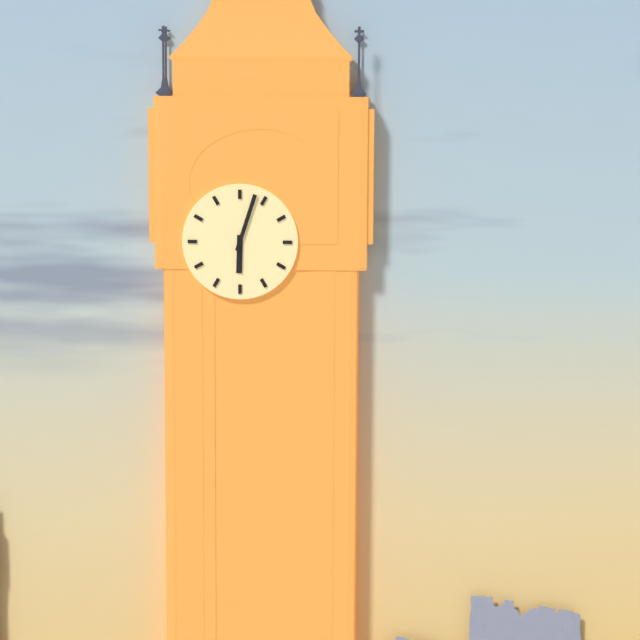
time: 6:03
